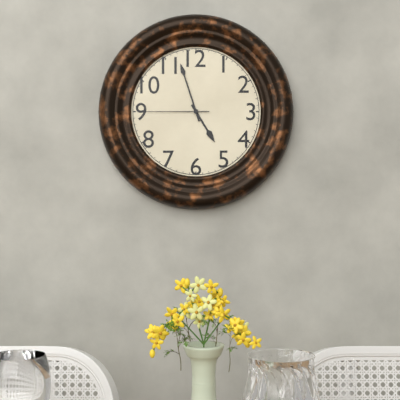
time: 4:57:45
